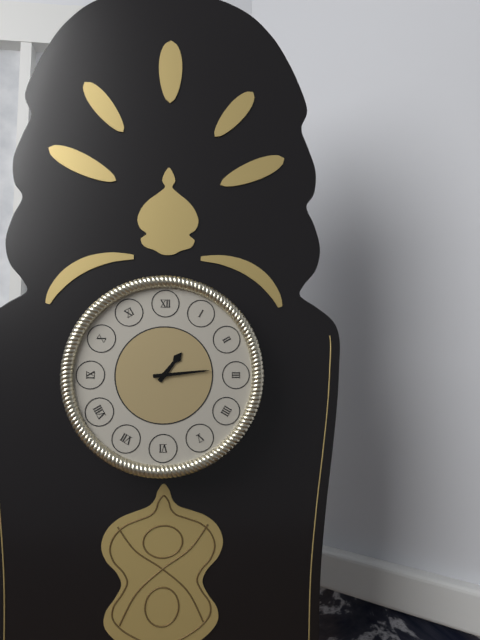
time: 1:14
